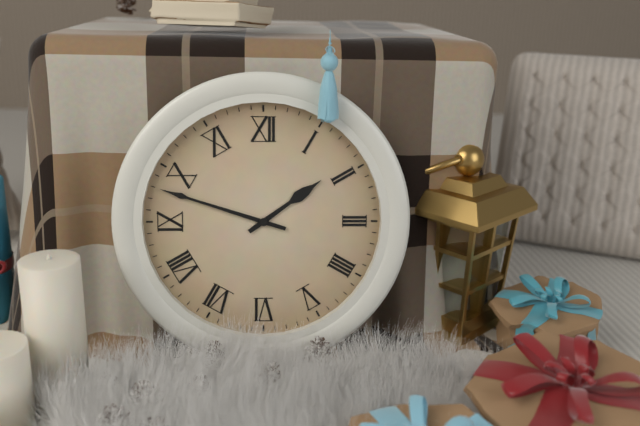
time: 1:48
